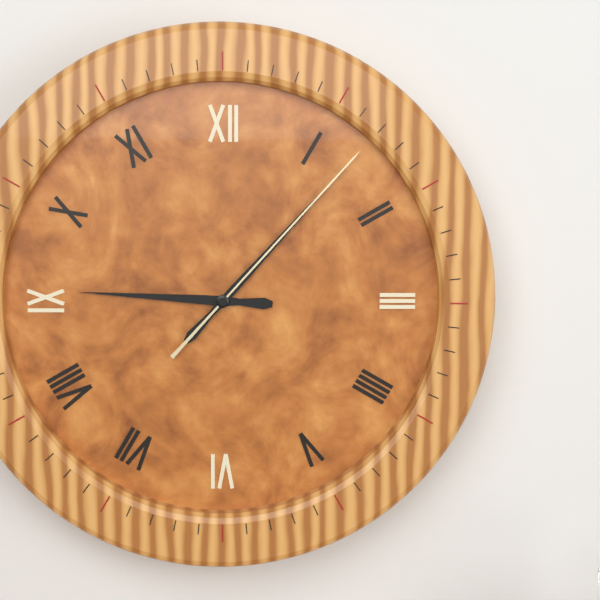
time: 9:07:07
